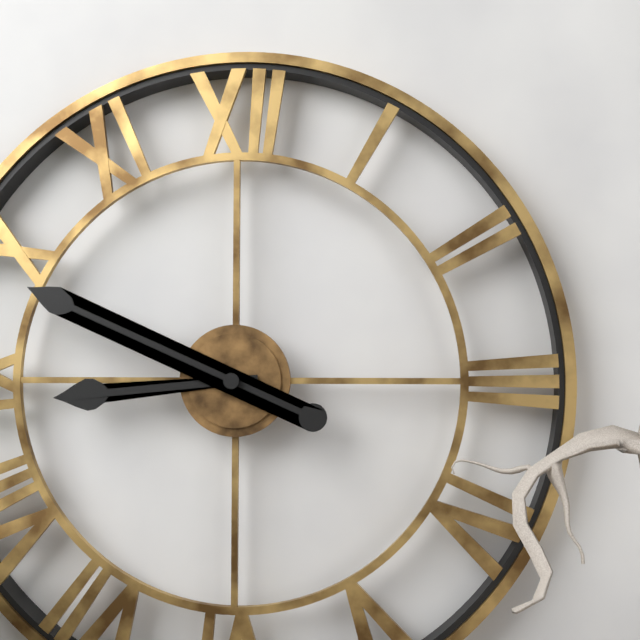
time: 8:49
